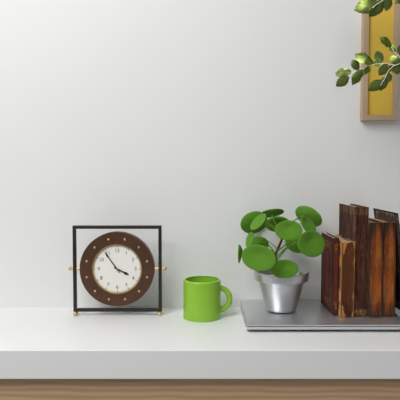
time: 3:54
